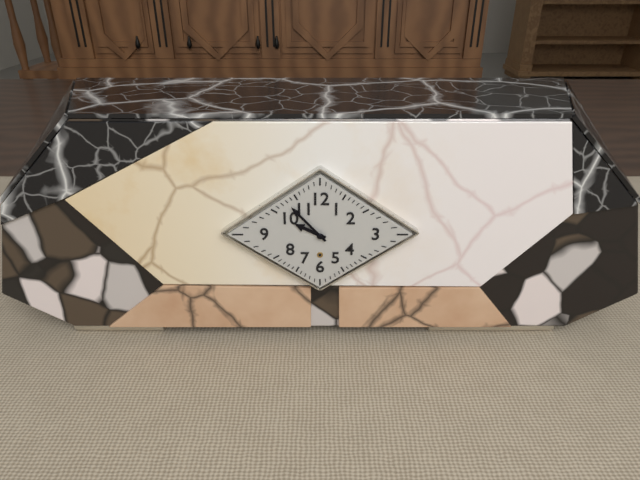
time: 9:53
